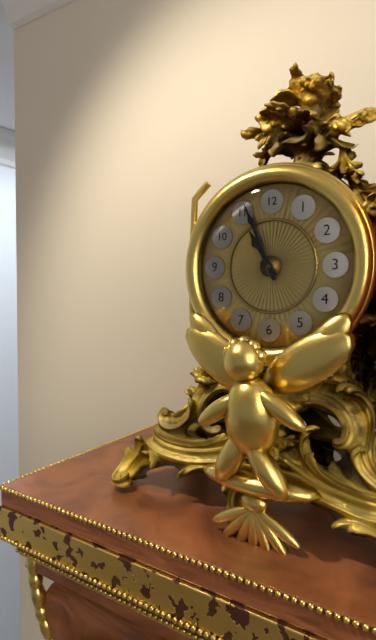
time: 10:56
